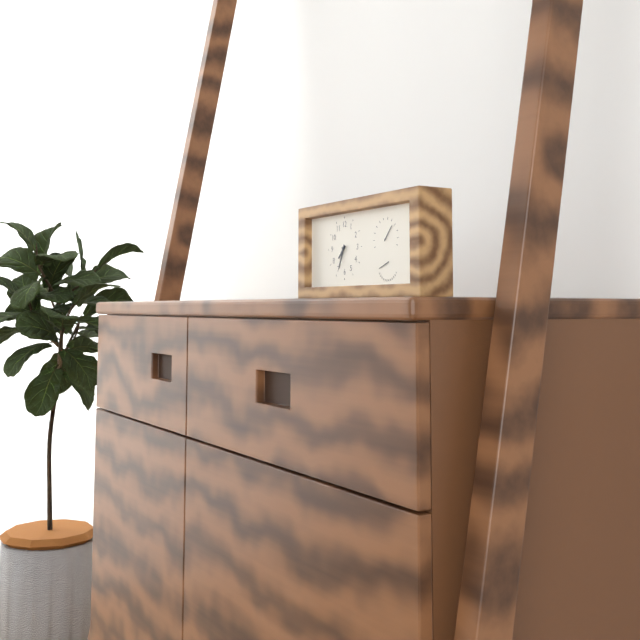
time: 7:34
